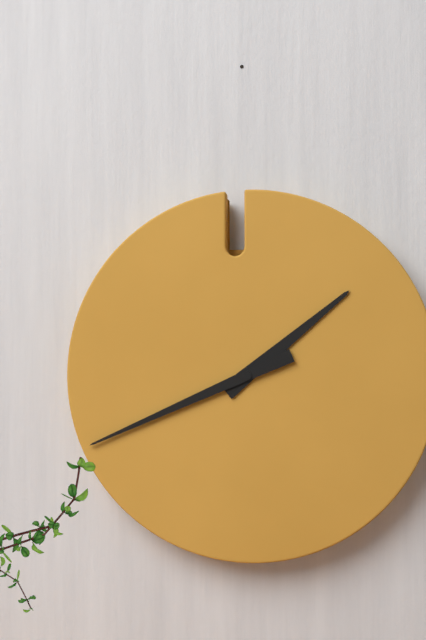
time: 1:41
